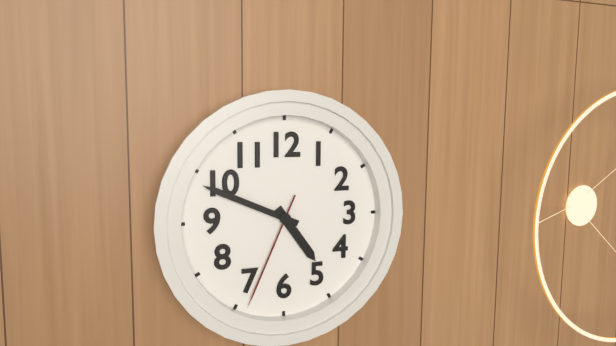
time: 4:49:34
